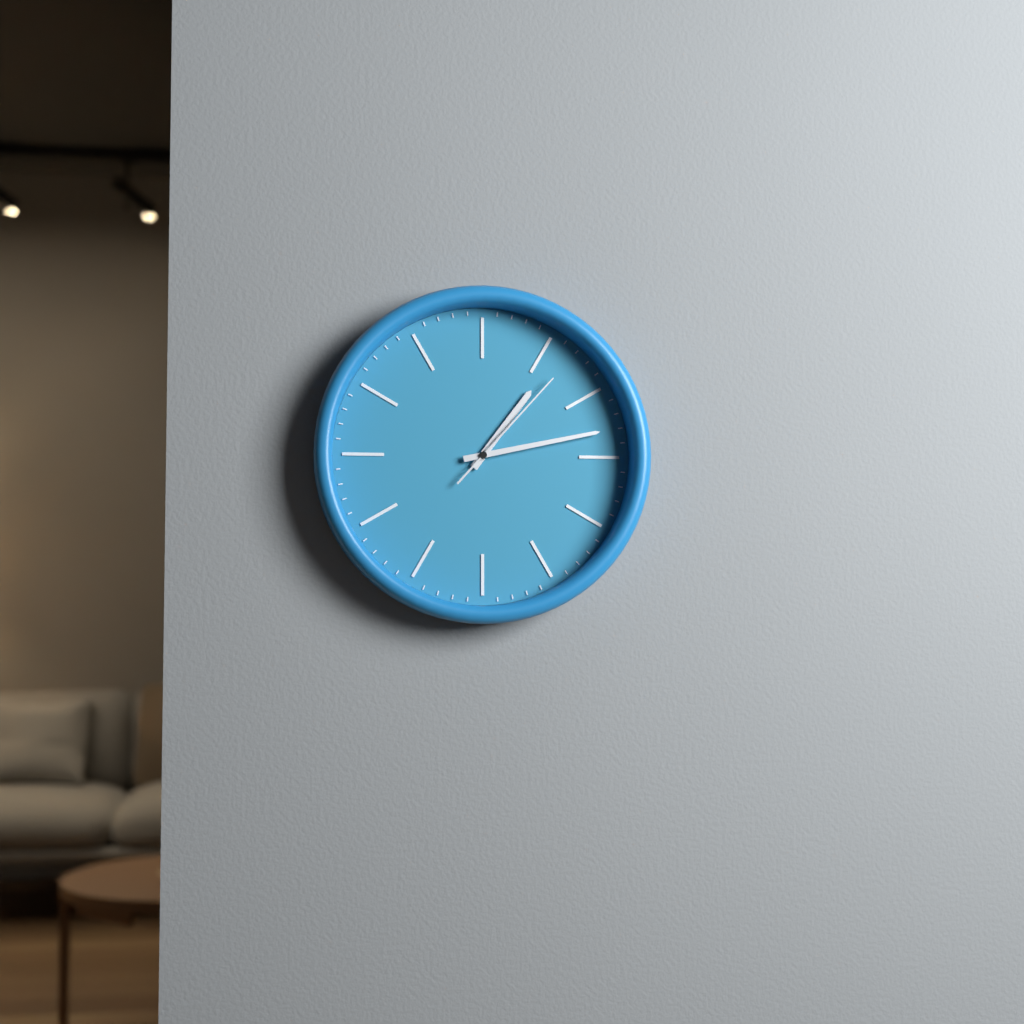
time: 1:13:07
